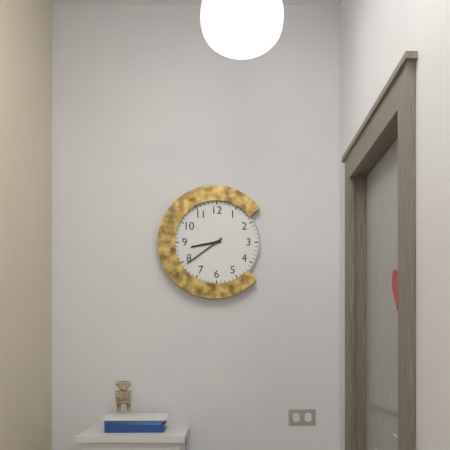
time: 8:39
